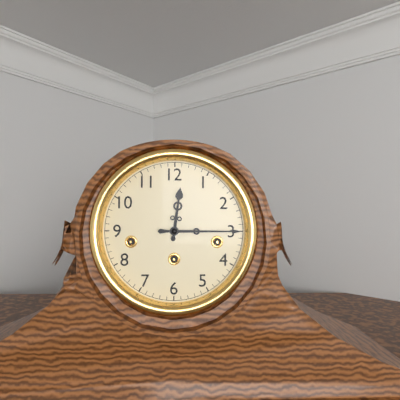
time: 12:15
